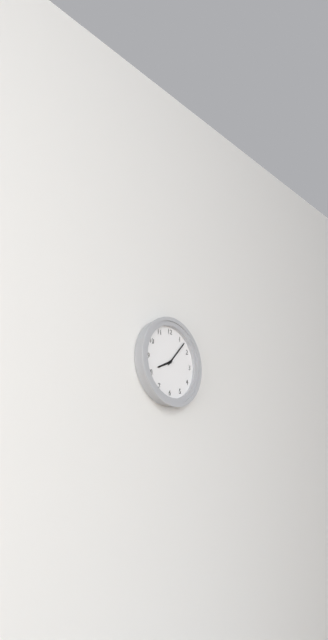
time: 8:07
